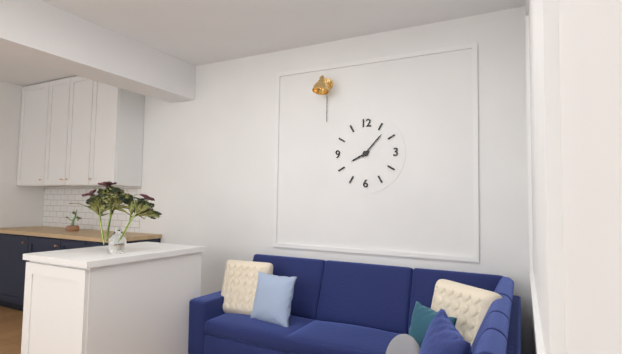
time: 8:07
